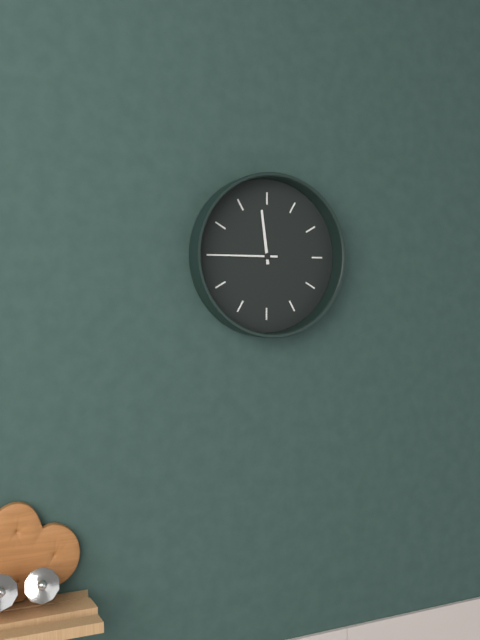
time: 11:45
